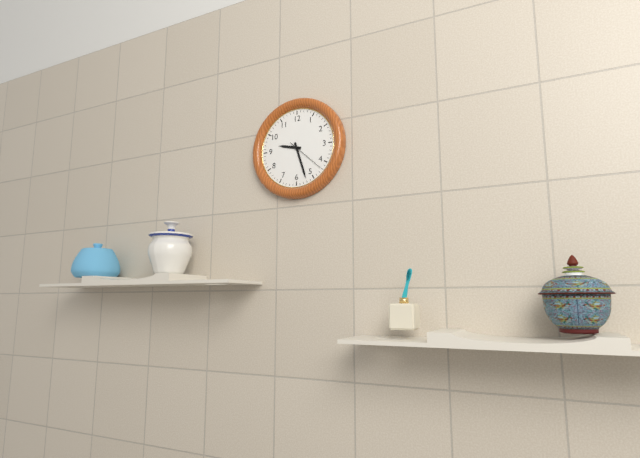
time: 9:27
